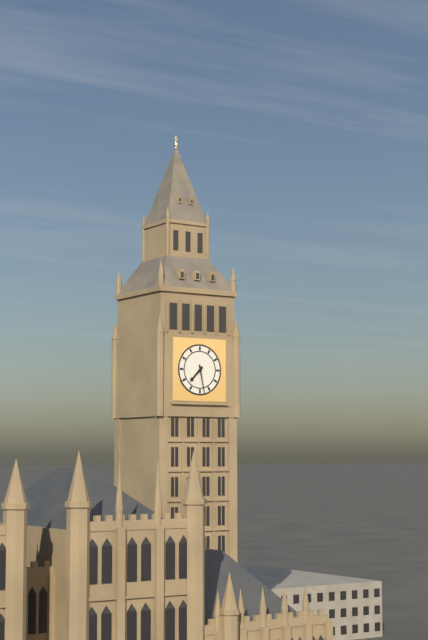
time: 7:28
